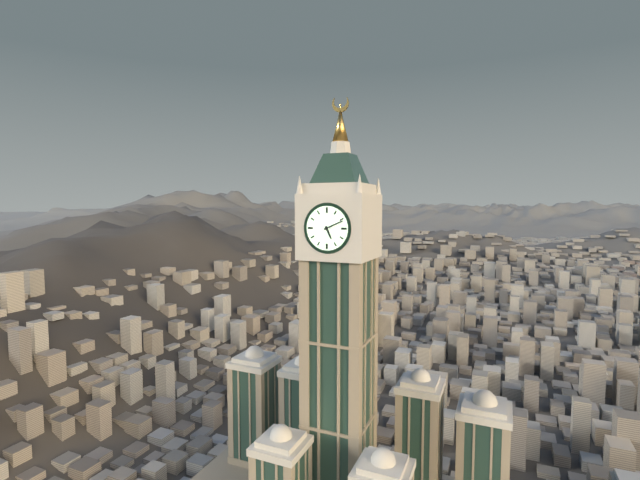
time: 5:11
